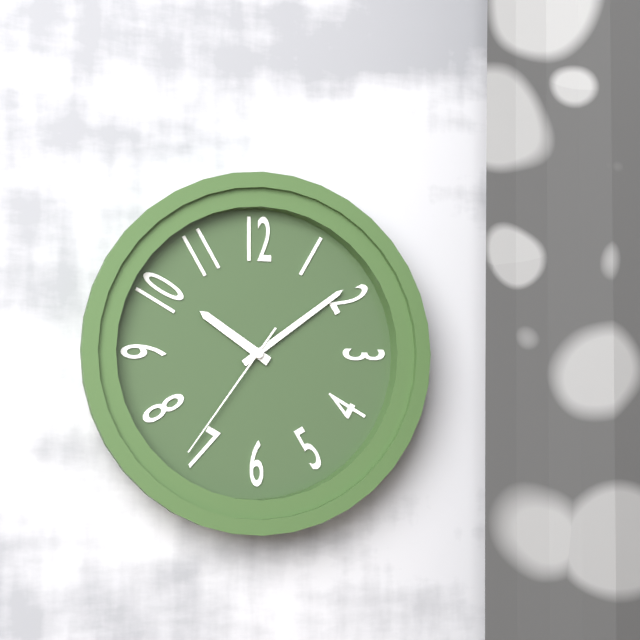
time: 10:09:36
